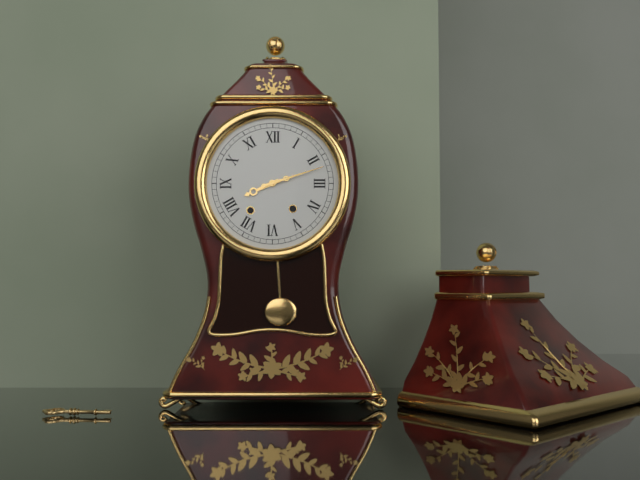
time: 8:12
